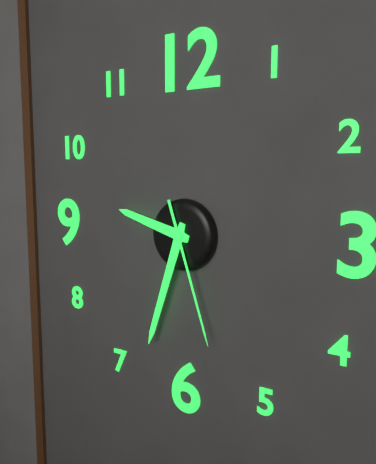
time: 9:33:27
